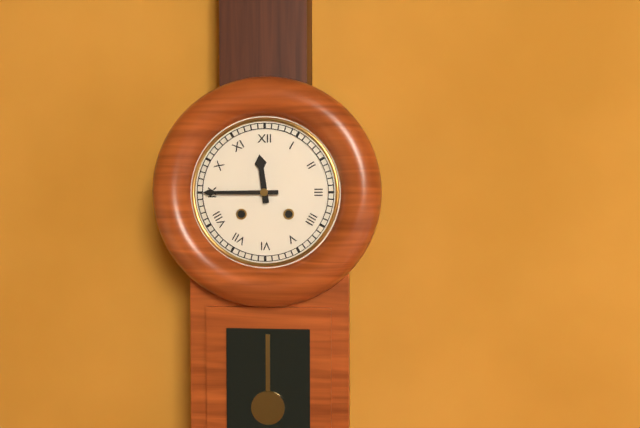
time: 11:45
